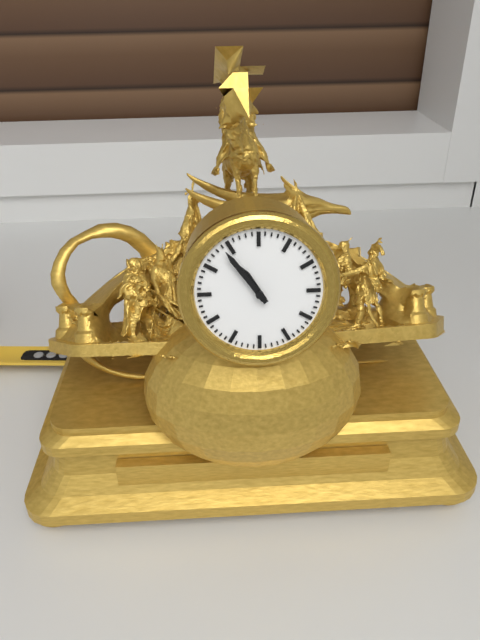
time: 10:54
